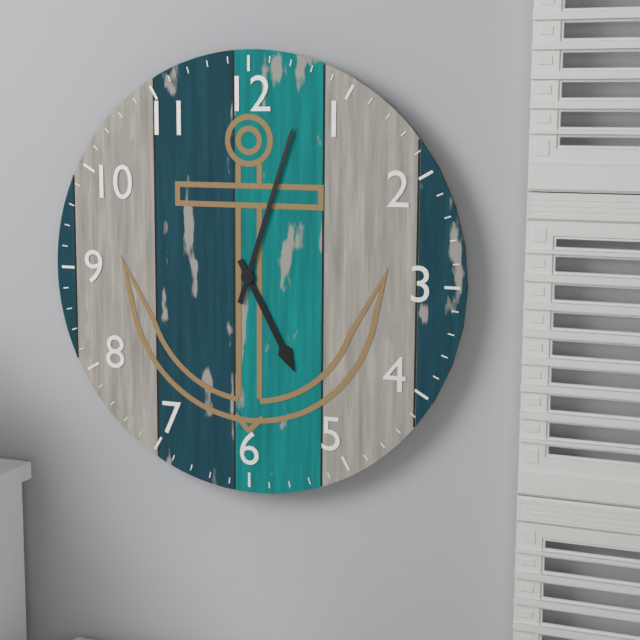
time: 5:03
